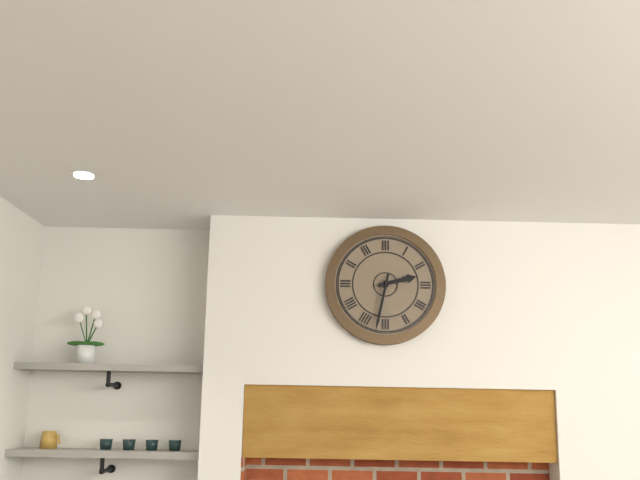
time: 2:32
